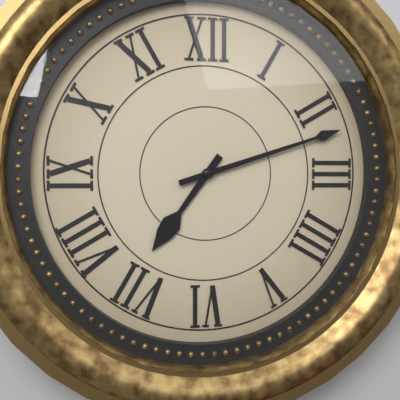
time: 7:12
